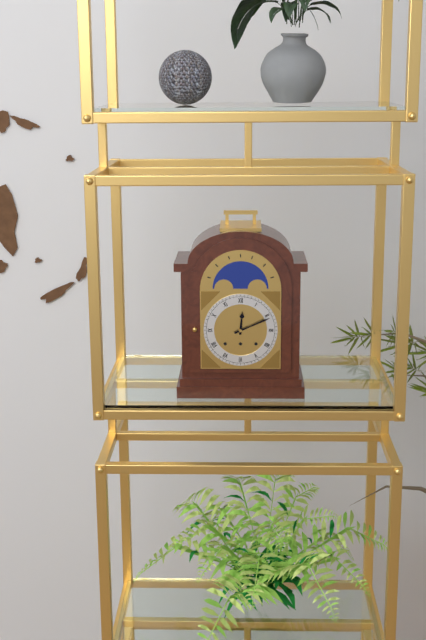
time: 12:11
